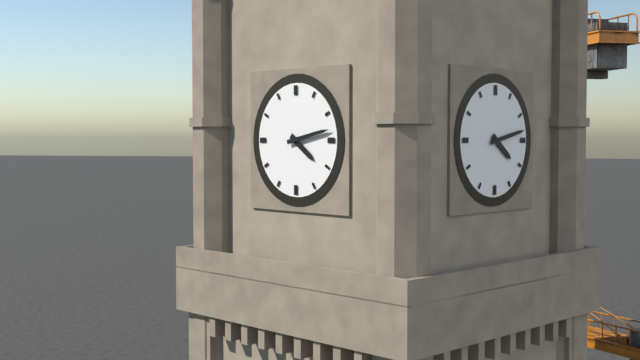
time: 4:13
